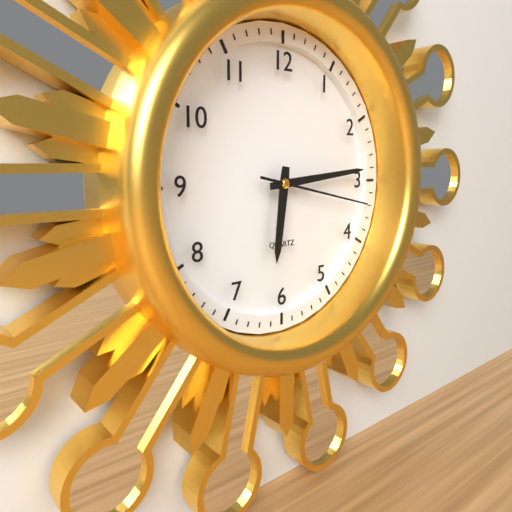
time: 6:14:17
